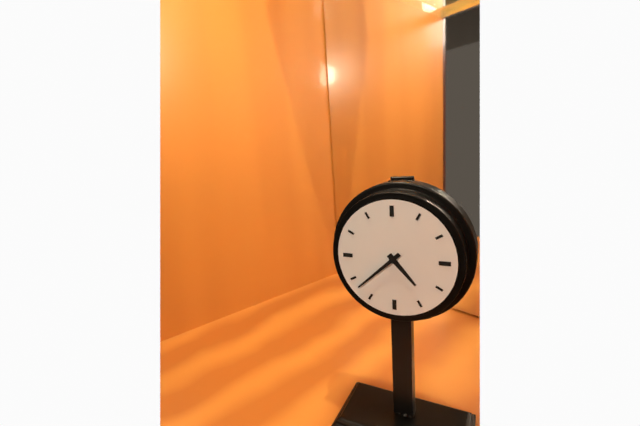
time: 4:38
